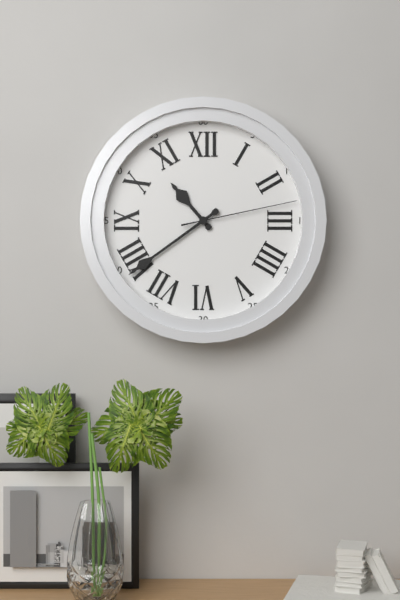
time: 10:39:13
